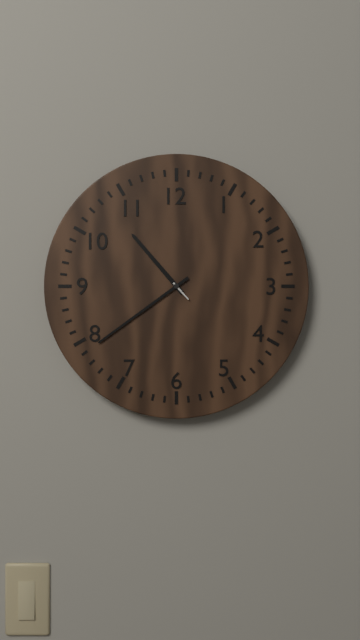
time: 10:39
